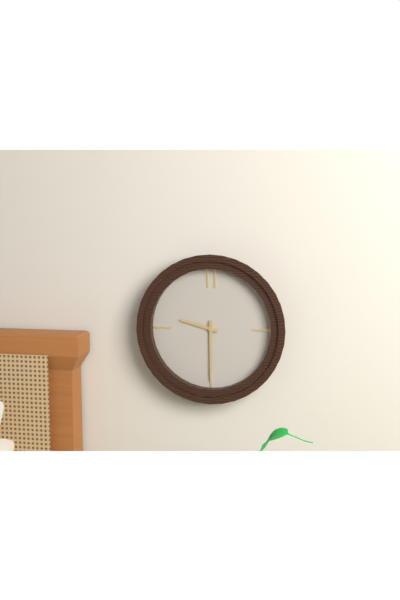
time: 9:30
